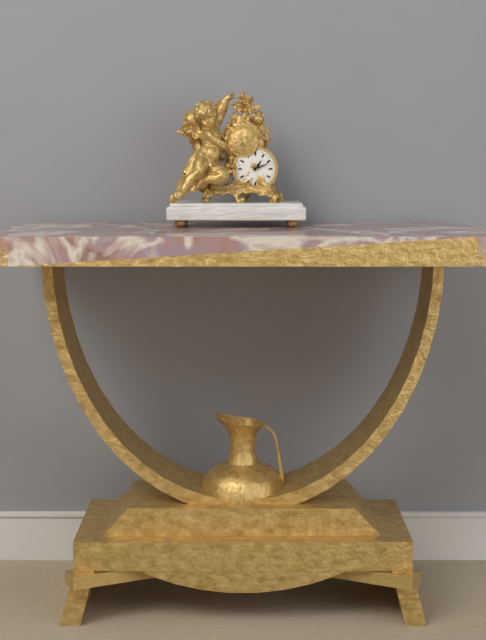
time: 1:11
